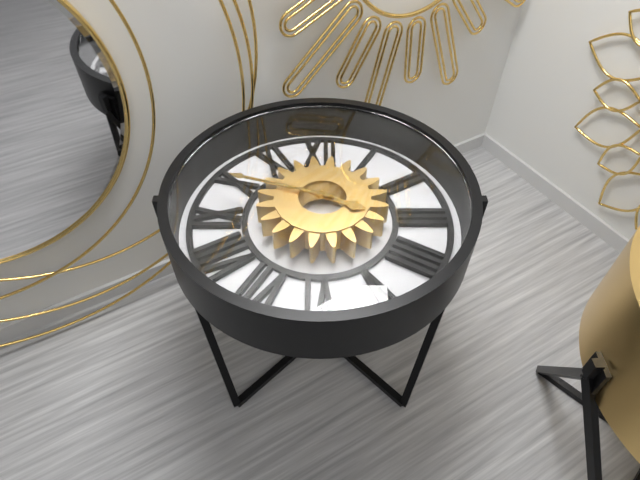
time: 3:48
